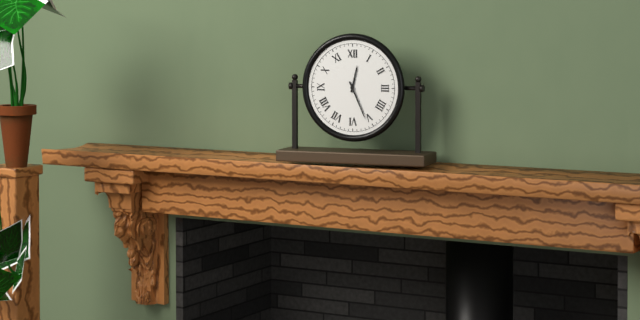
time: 12:26
